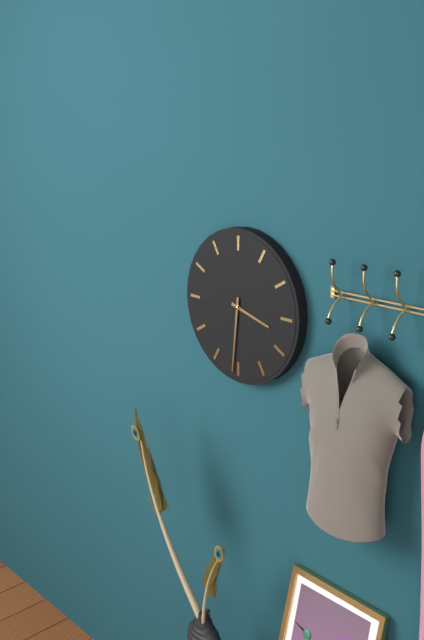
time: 3:31
